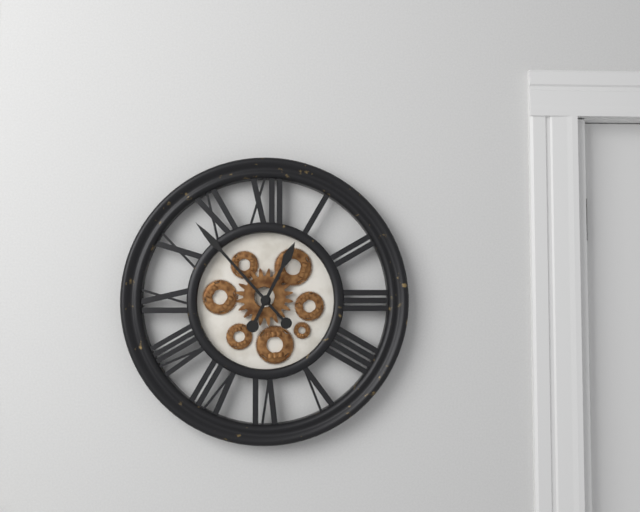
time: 12:53
